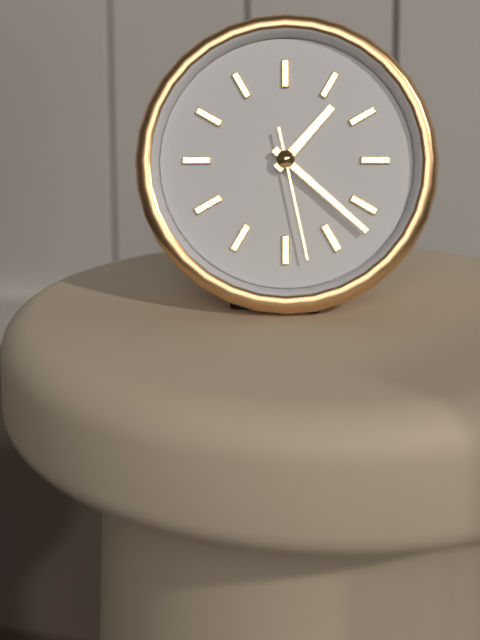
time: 1:22:28
